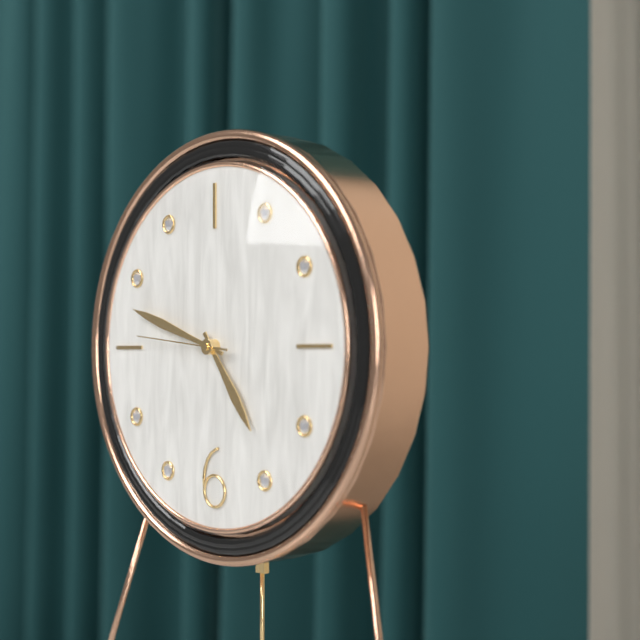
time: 4:48:46
